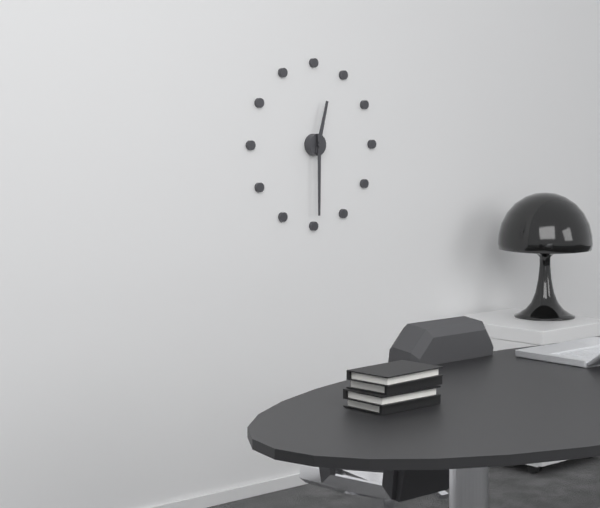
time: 12:30
